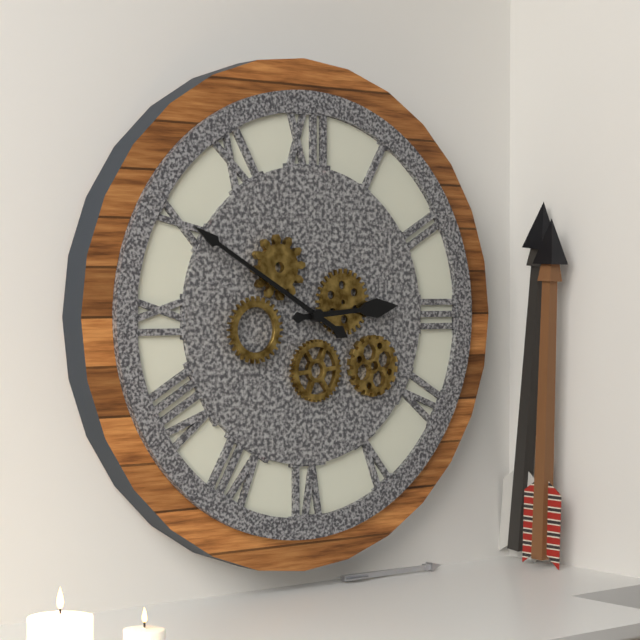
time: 2:50
